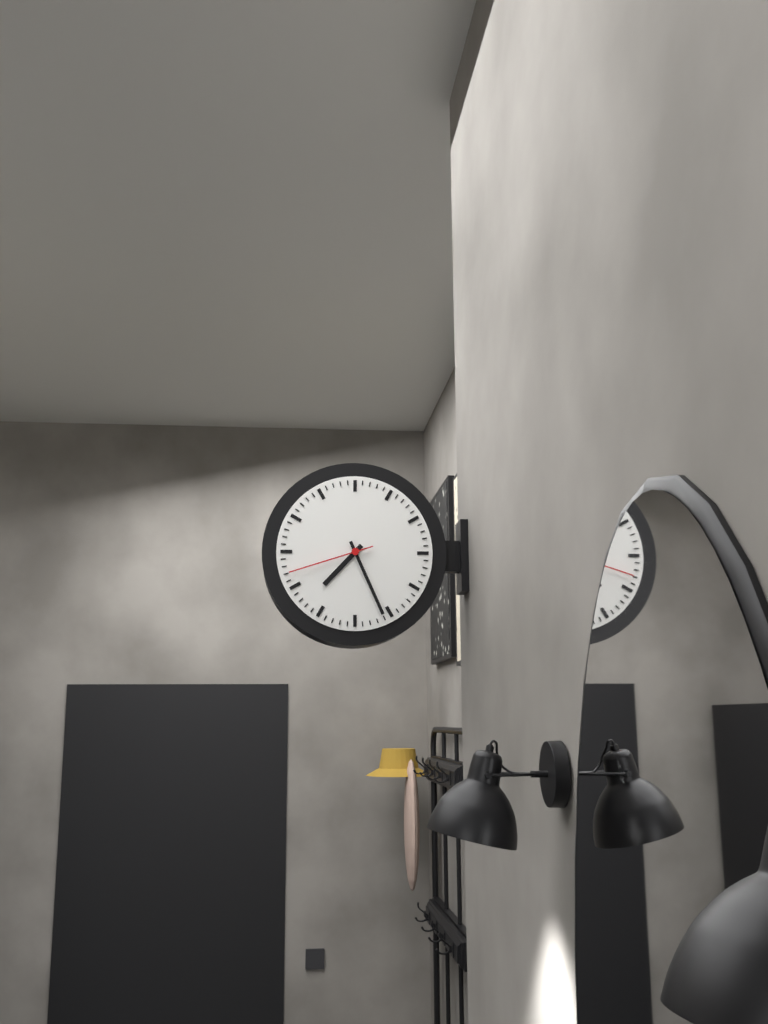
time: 7:26:42
